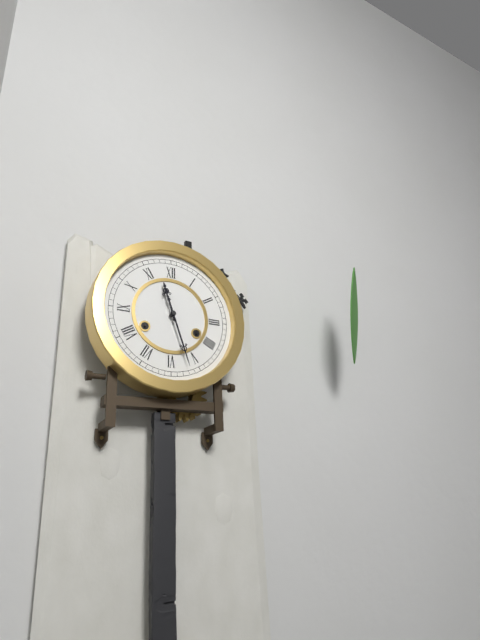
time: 11:27
